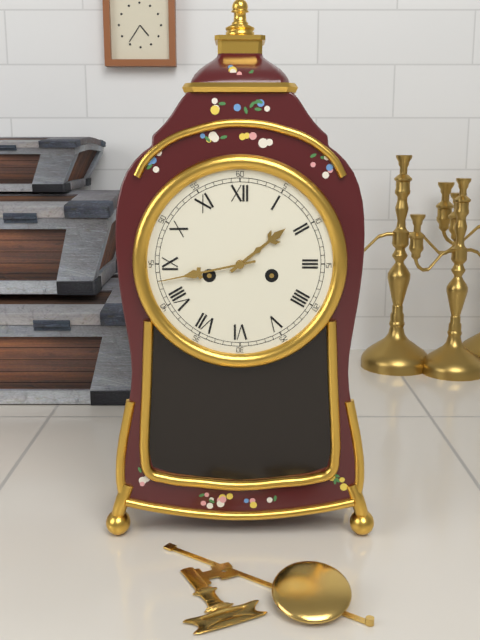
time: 1:43
